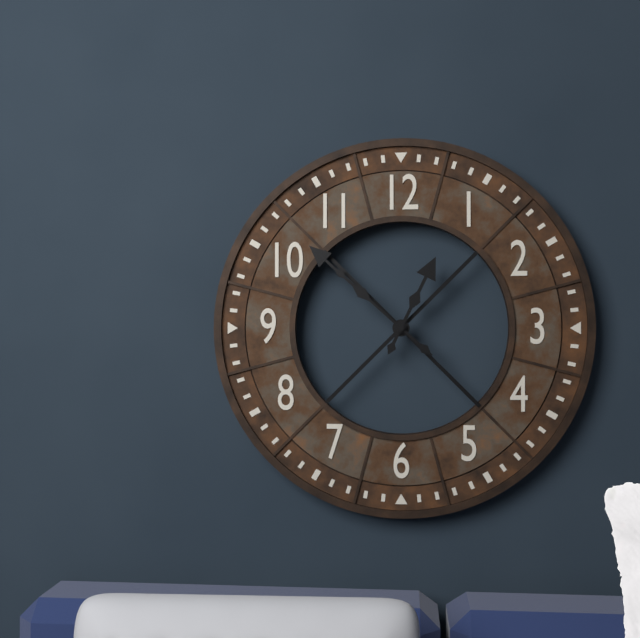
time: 12:52
